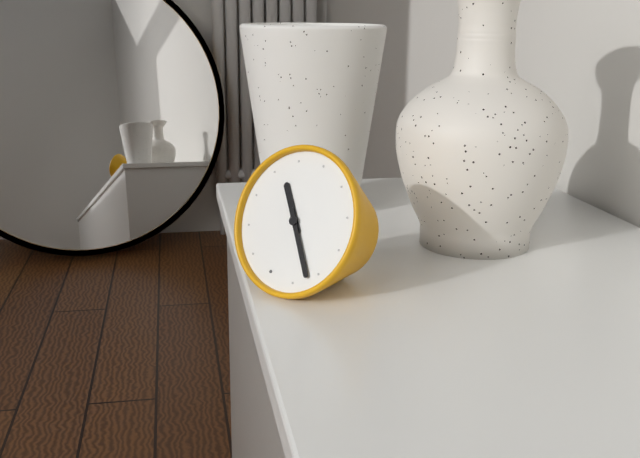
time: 10:22
